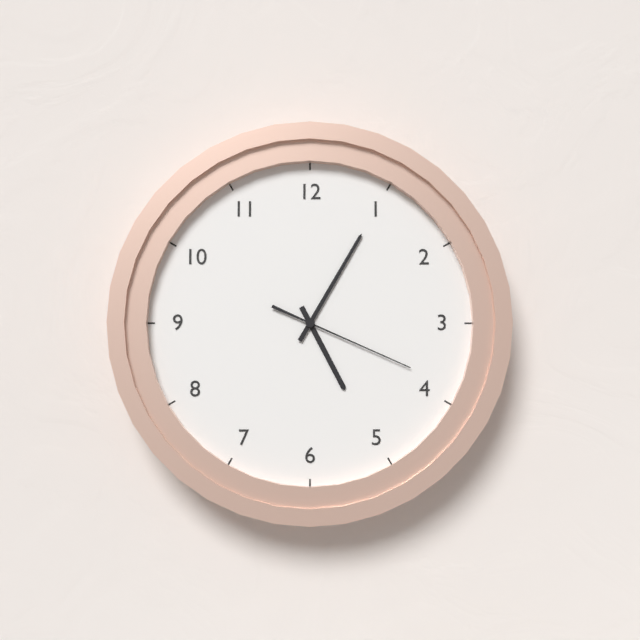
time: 5:05:19
